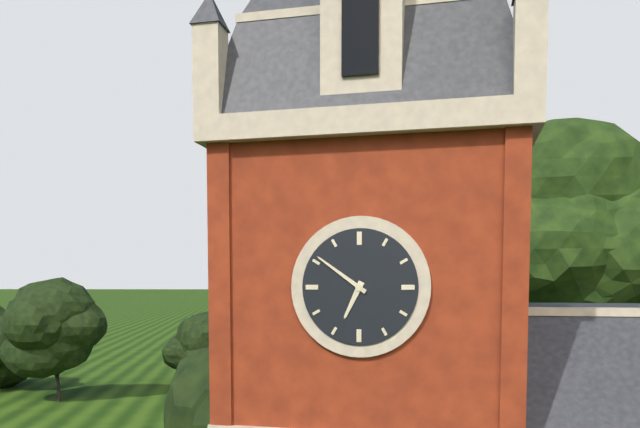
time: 6:51
